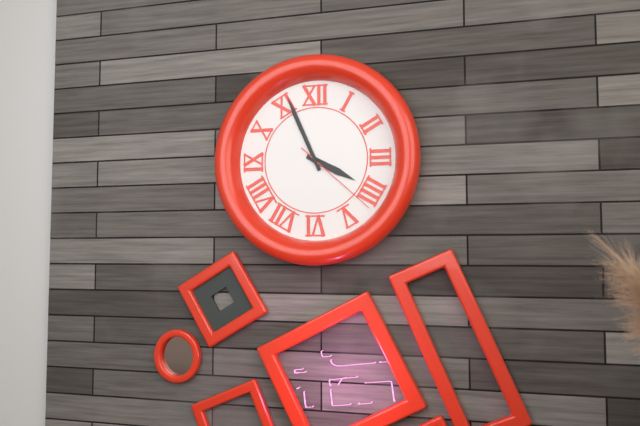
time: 3:56:22
